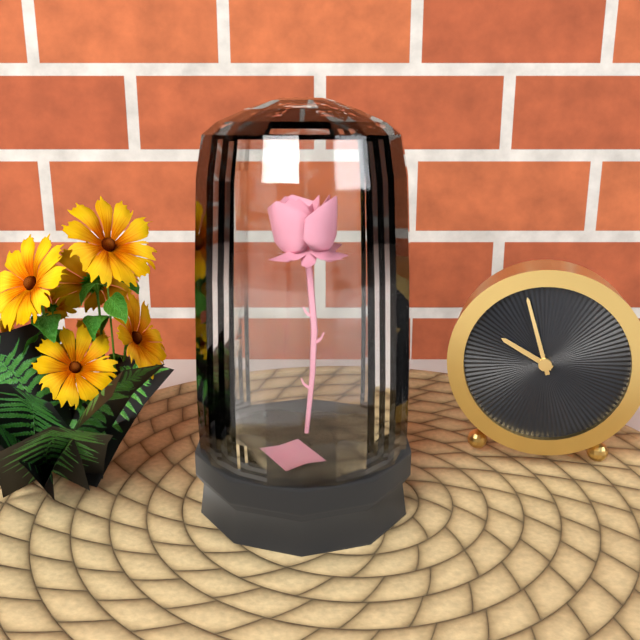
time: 9:57
